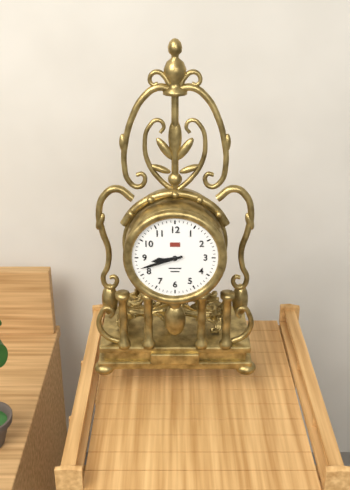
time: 8:42
